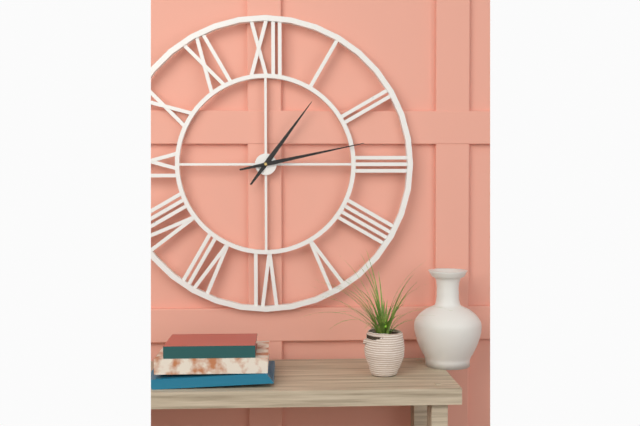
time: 1:13
